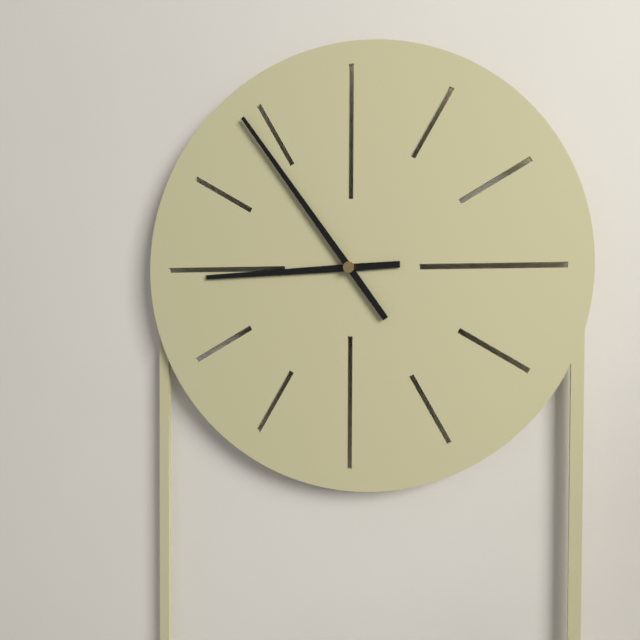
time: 8:54
